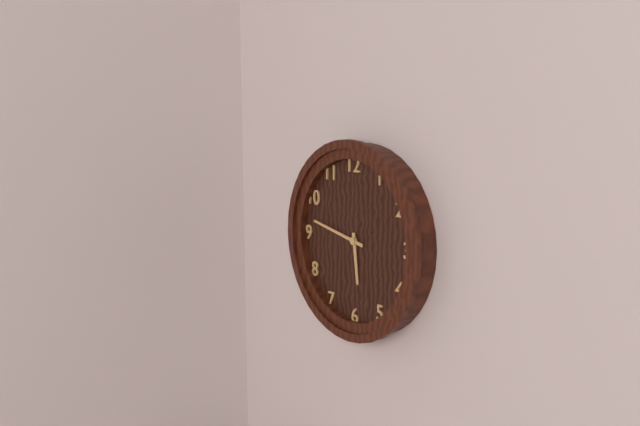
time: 5:47
